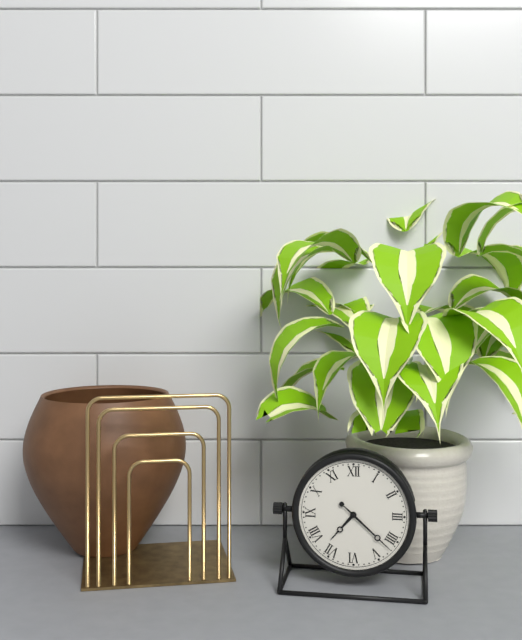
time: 7:22
